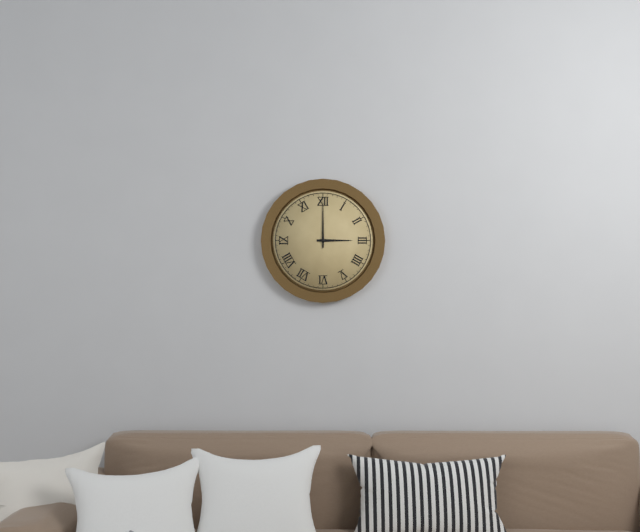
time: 3:00
